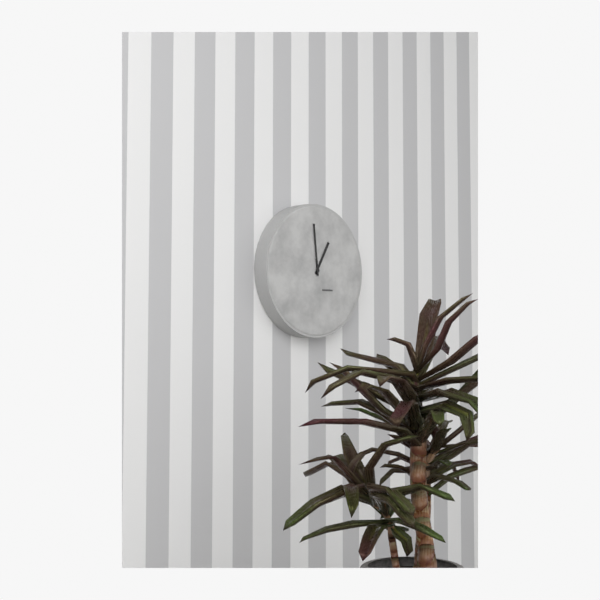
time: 12:59
